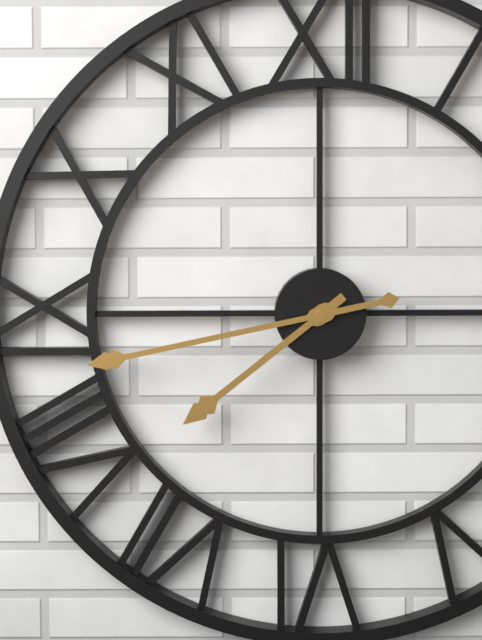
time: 7:43
